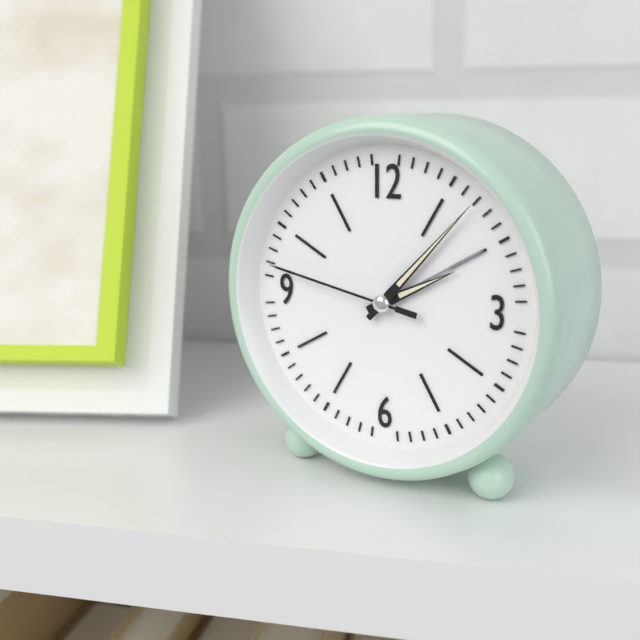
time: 2:07:47
